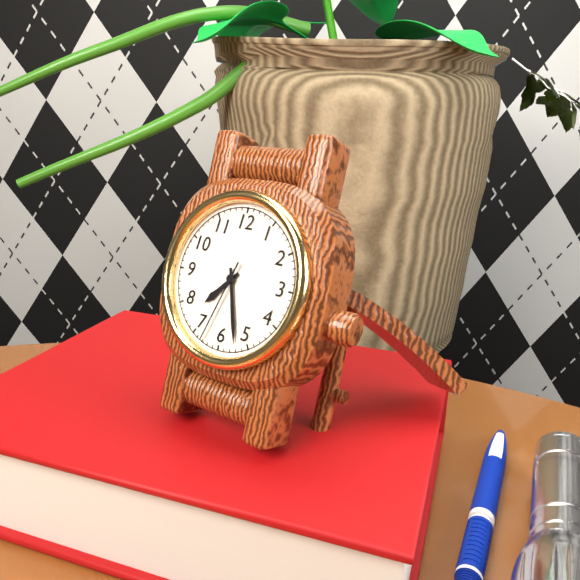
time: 7:27:33
